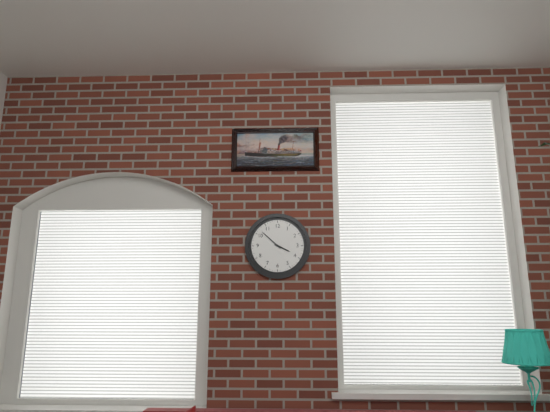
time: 3:52
